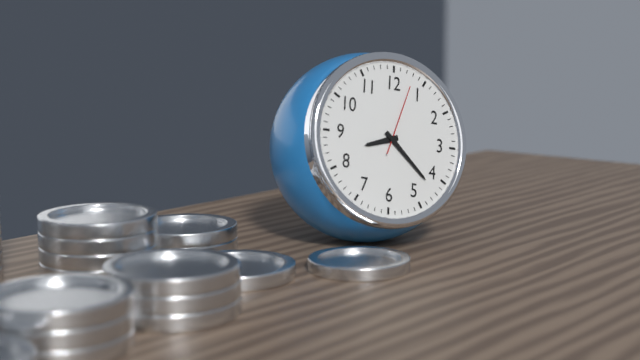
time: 8:22:03
